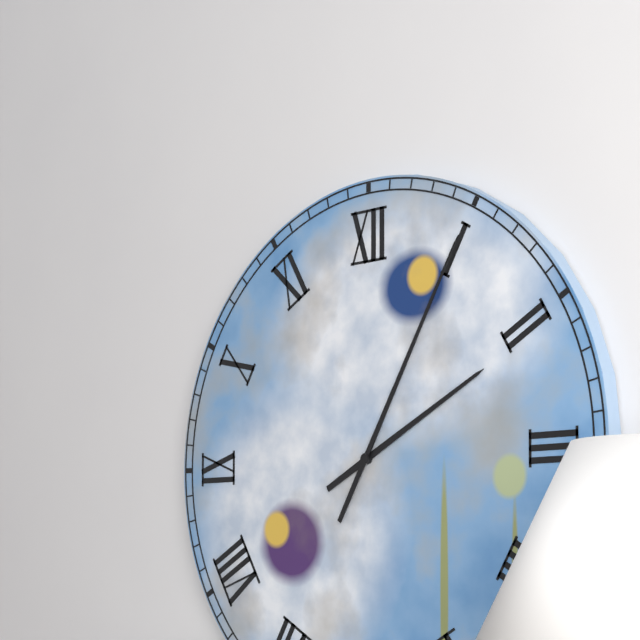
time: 2:05
